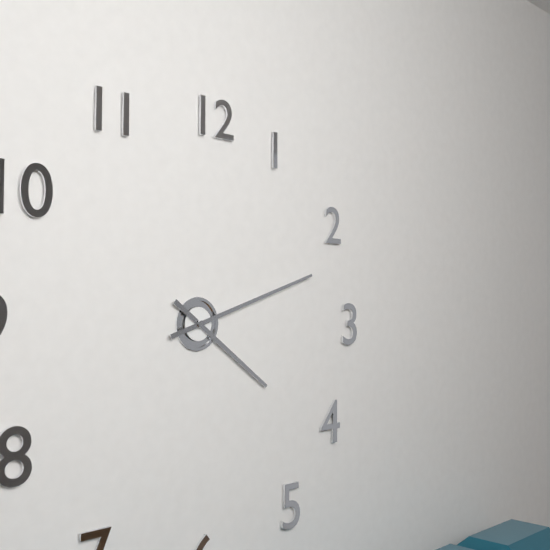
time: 4:12
